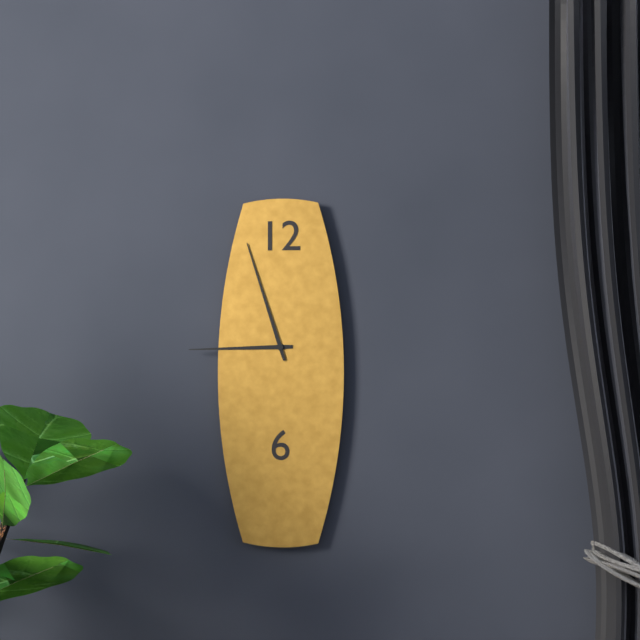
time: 8:57
